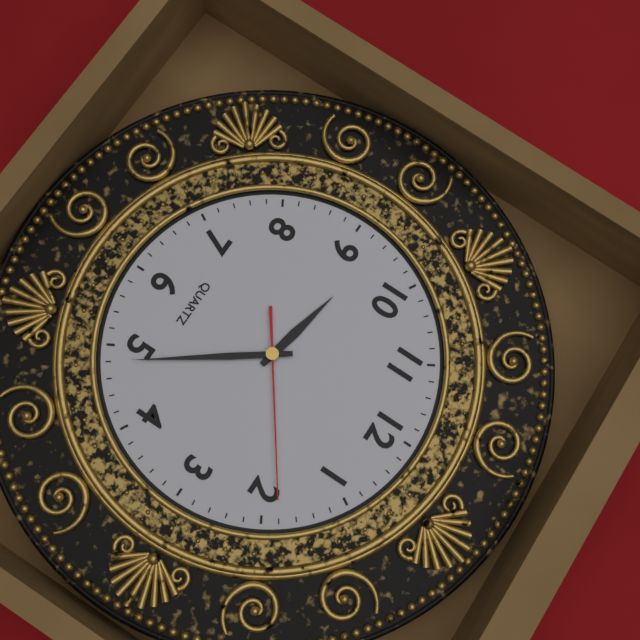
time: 9:24:09
